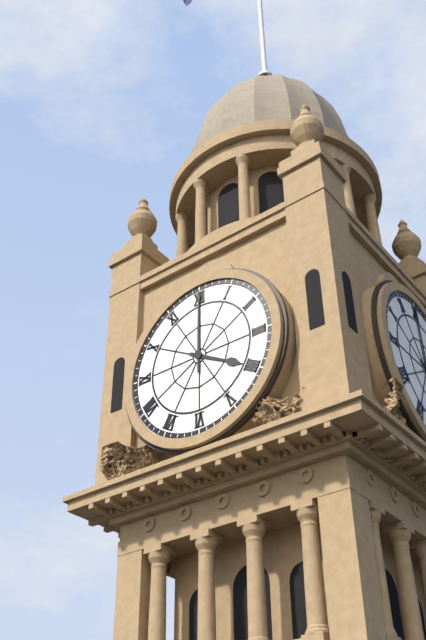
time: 4:00
